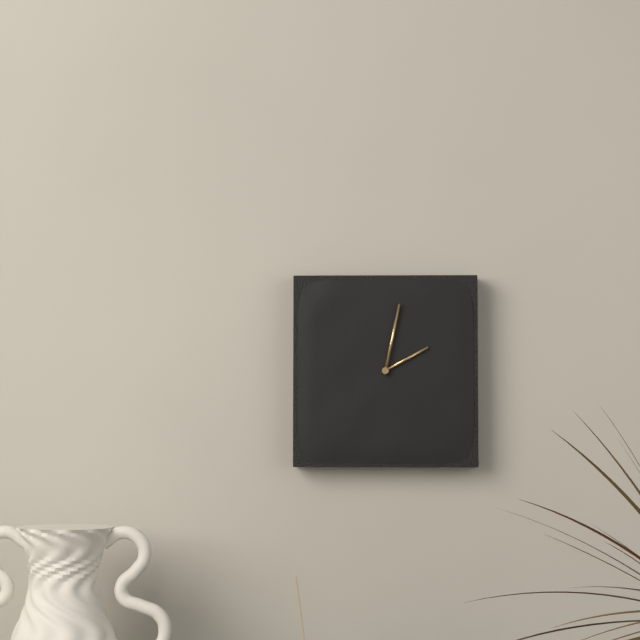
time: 2:02
